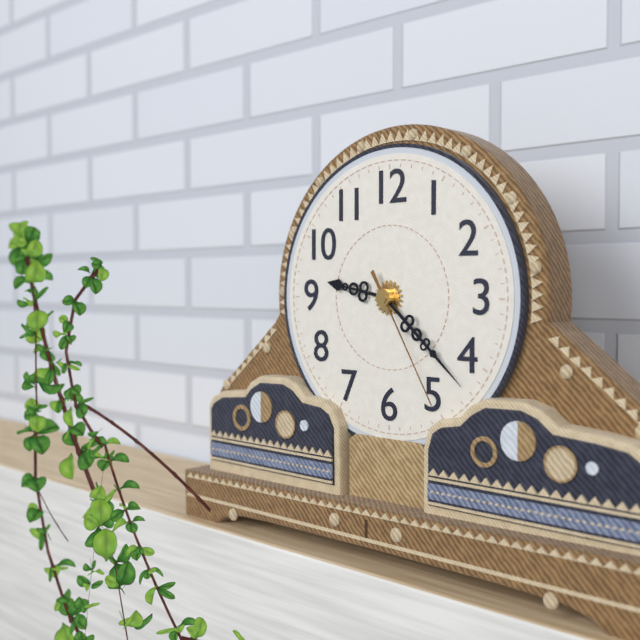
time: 9:22:25
